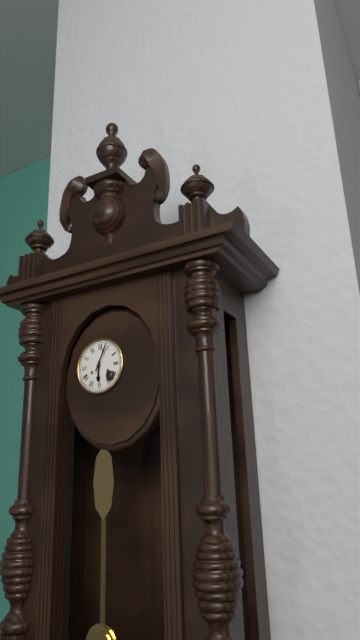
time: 6:04
